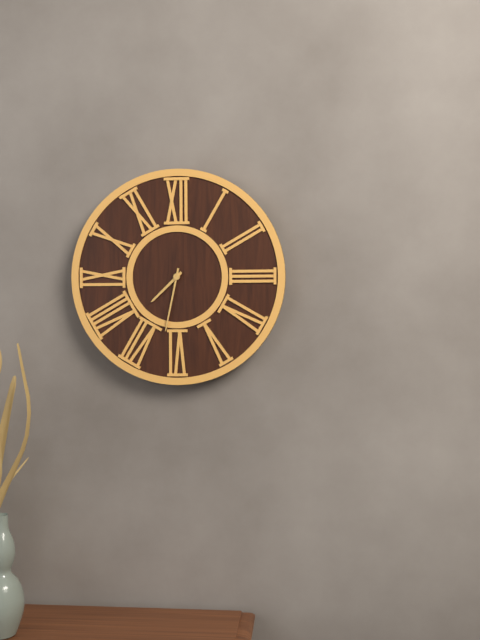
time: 7:32
